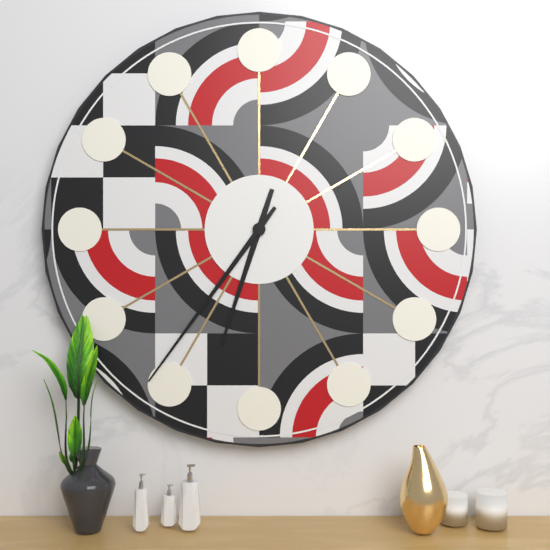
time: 6:36
